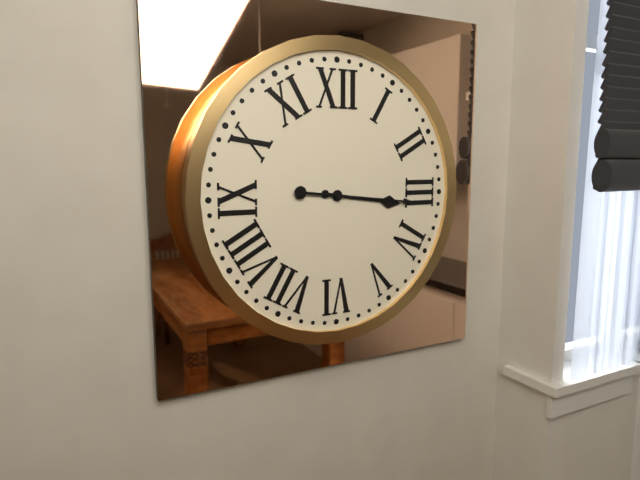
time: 3:16
